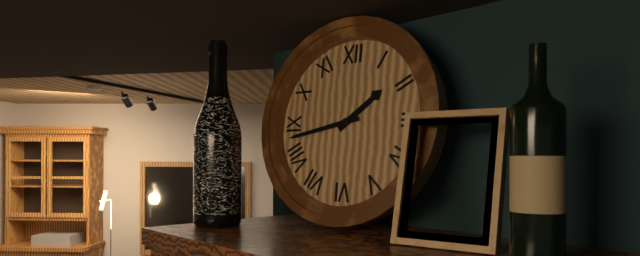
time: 1:43
